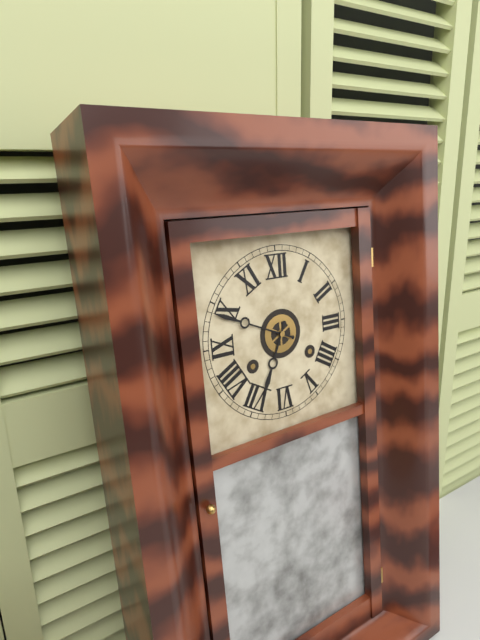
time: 6:49
